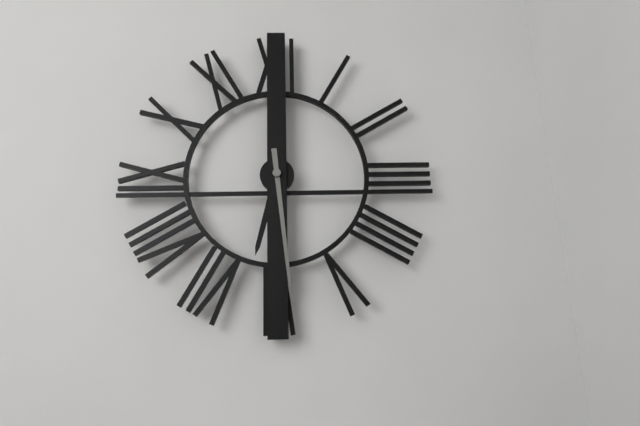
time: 6:29
